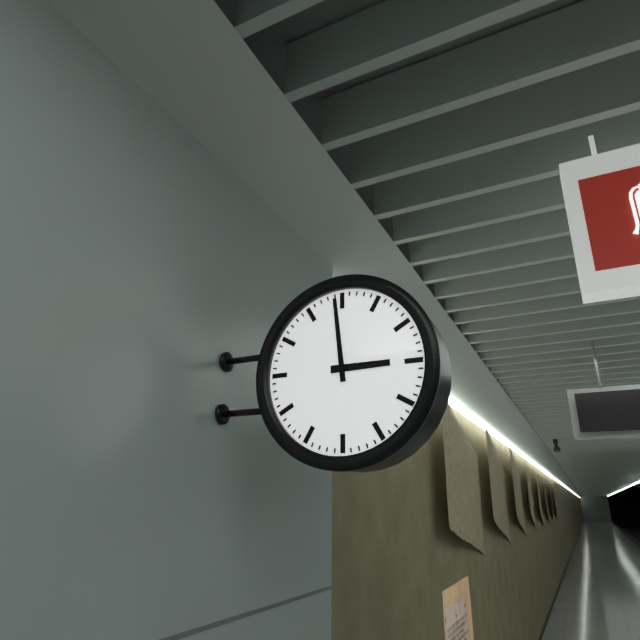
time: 2:59
